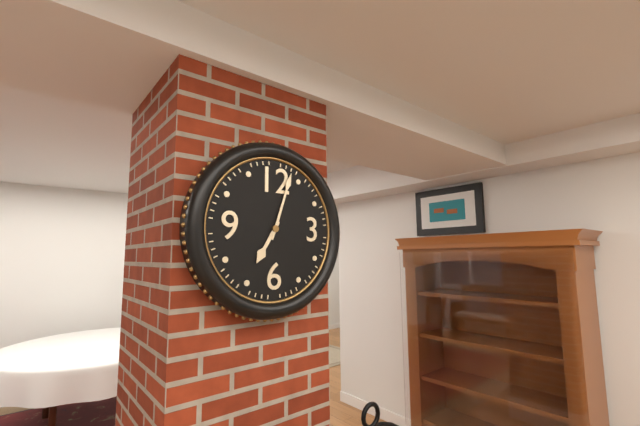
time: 7:03
